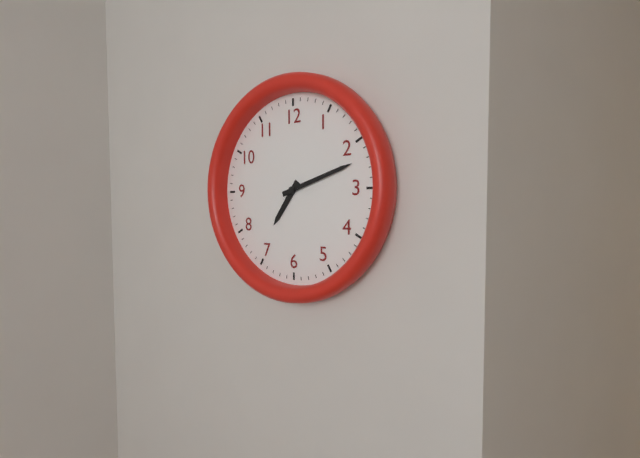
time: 7:12
